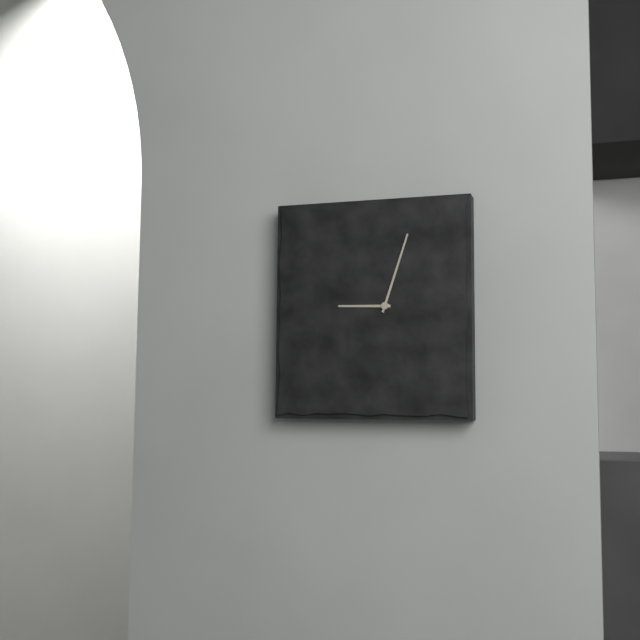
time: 9:03
